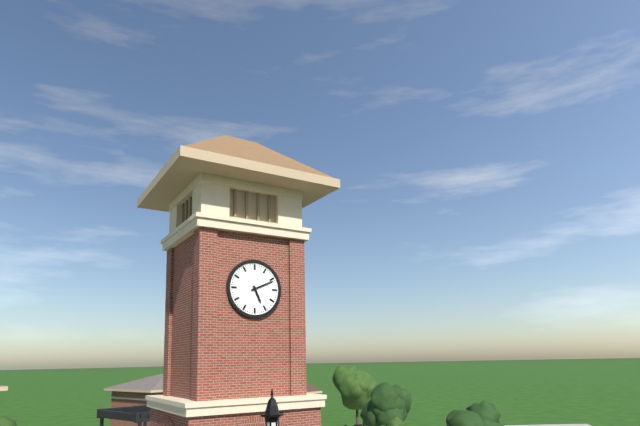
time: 5:11
